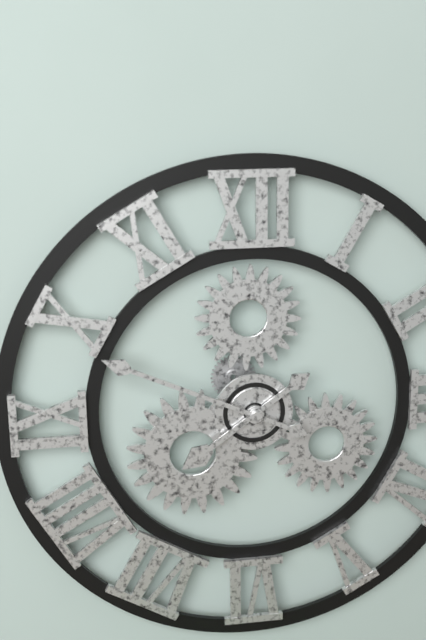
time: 7:49
